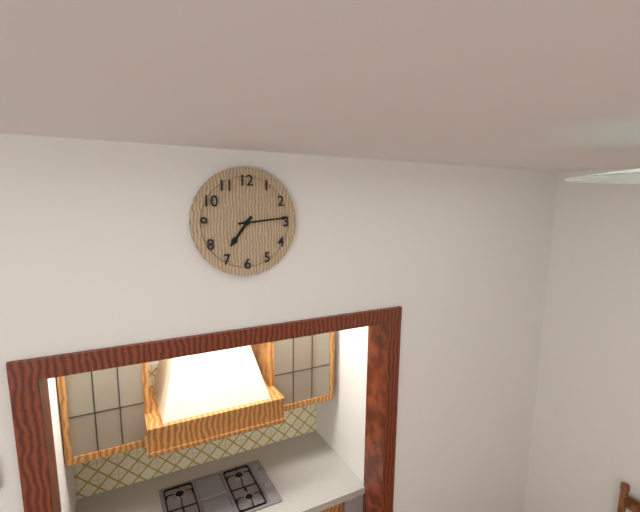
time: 7:14
